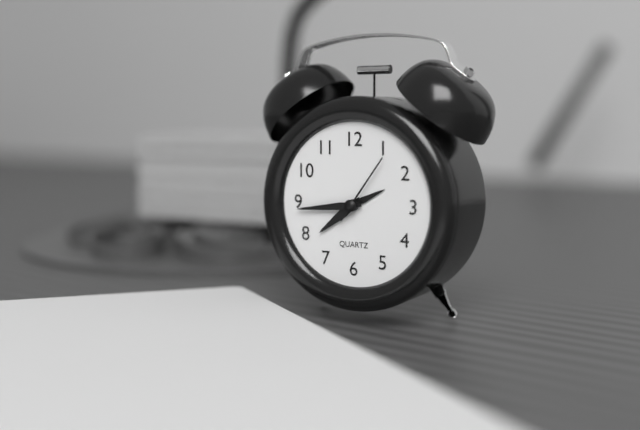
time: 7:44:06
